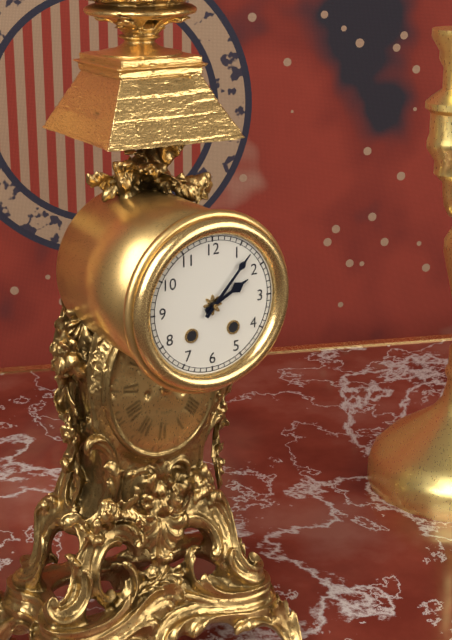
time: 2:07
